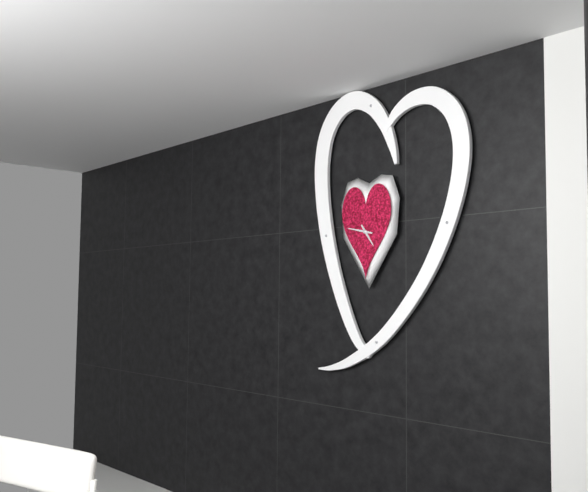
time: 4:47
